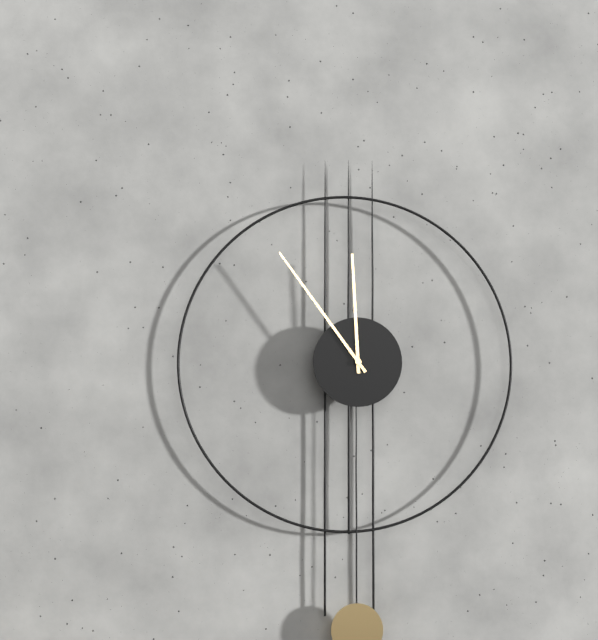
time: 11:54
